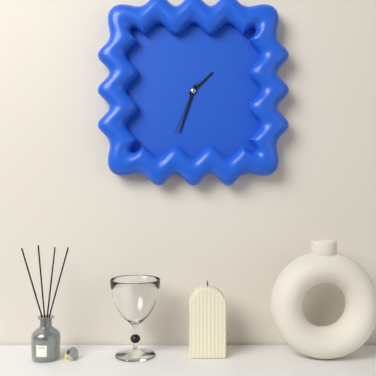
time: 1:33:34
